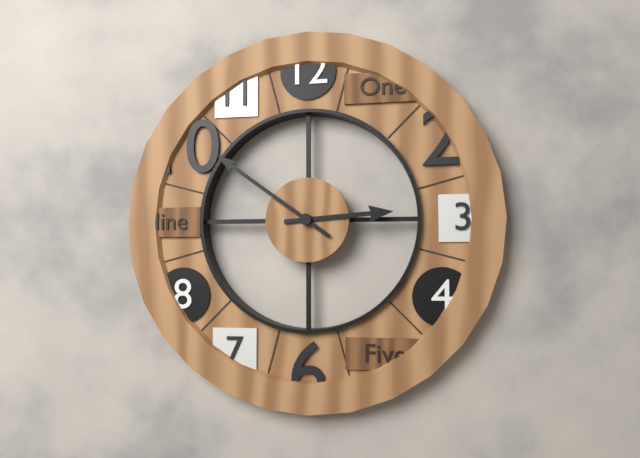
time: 2:51
